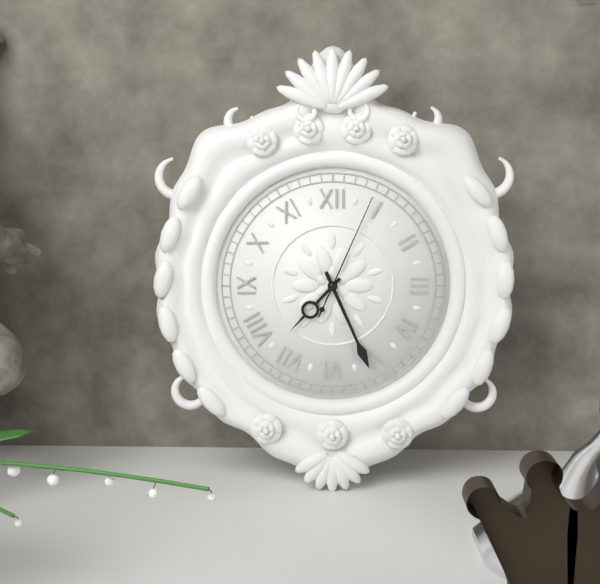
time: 7:26:04
